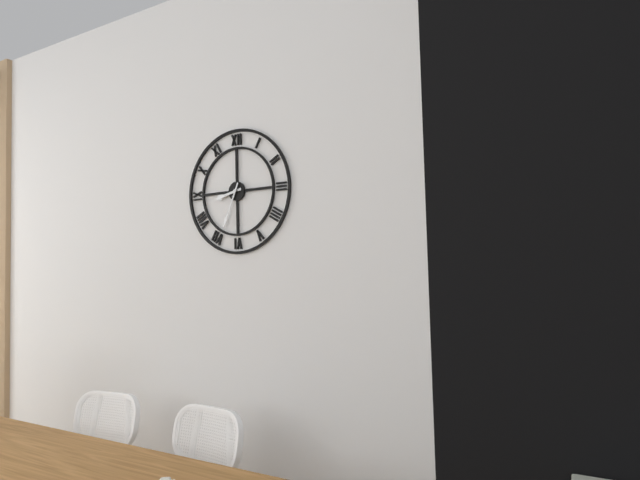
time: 8:34
